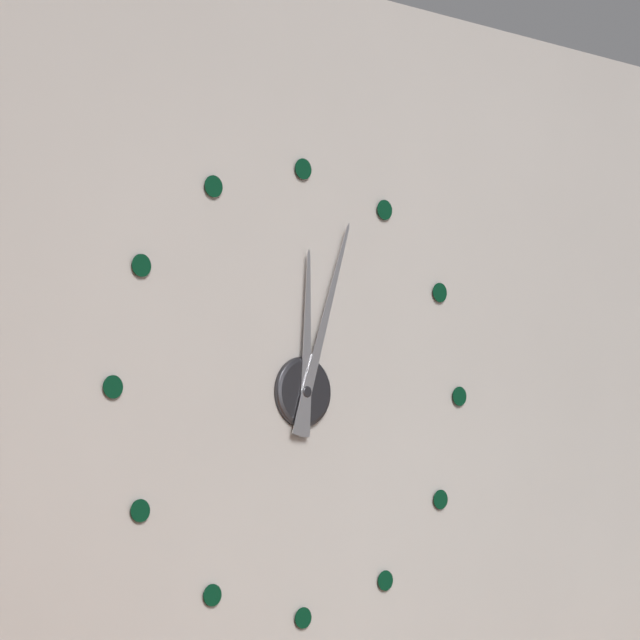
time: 12:03
